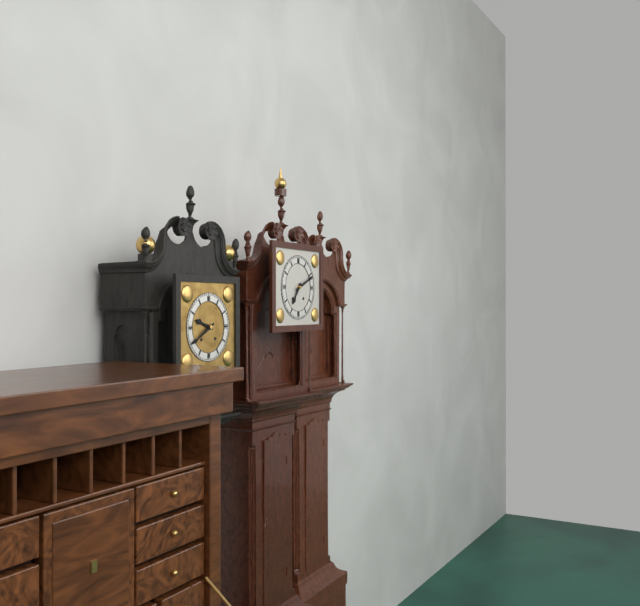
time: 7:11
